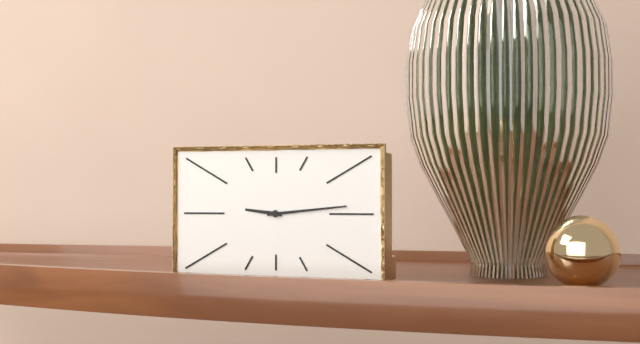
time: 9:14
